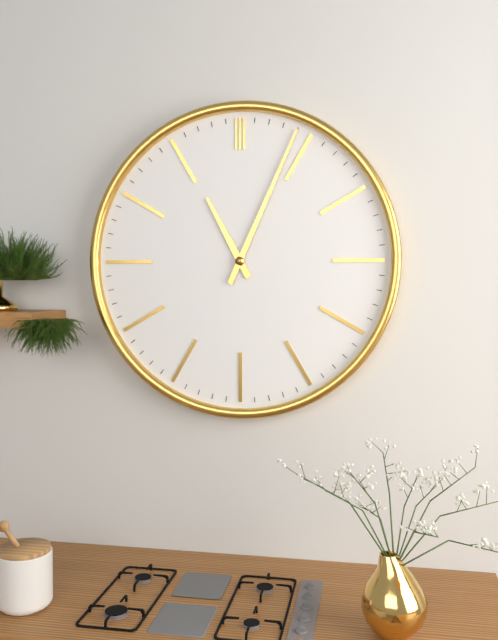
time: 11:04
